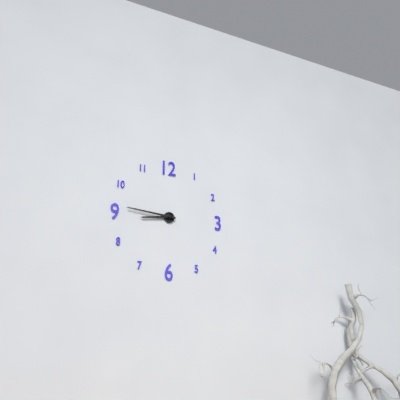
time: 8:46
